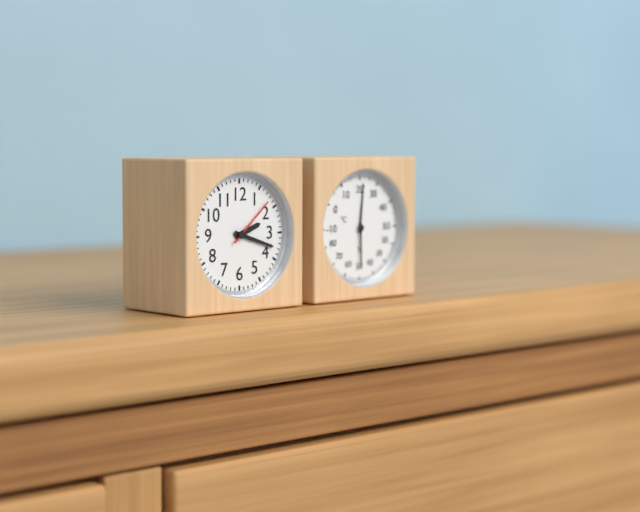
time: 2:18:08
